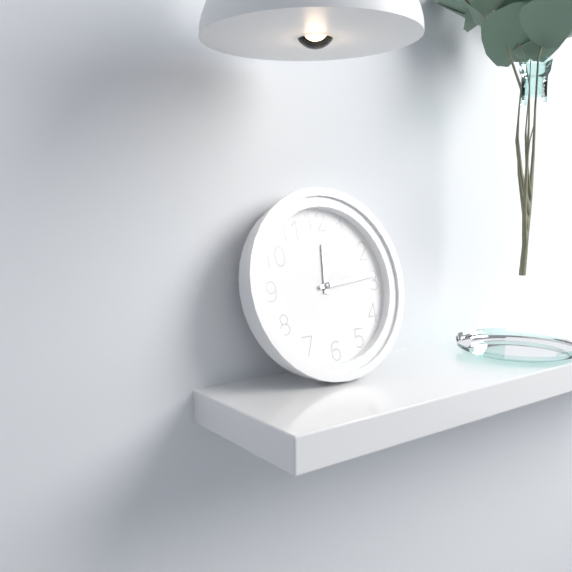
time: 12:14
